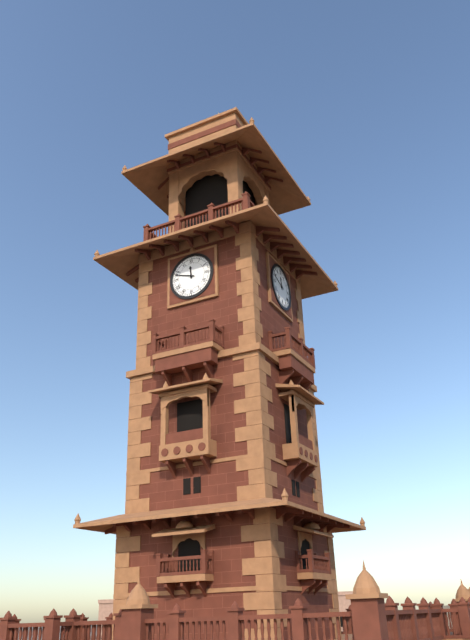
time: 11:48
